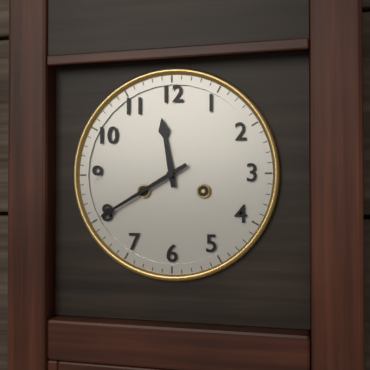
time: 11:40
